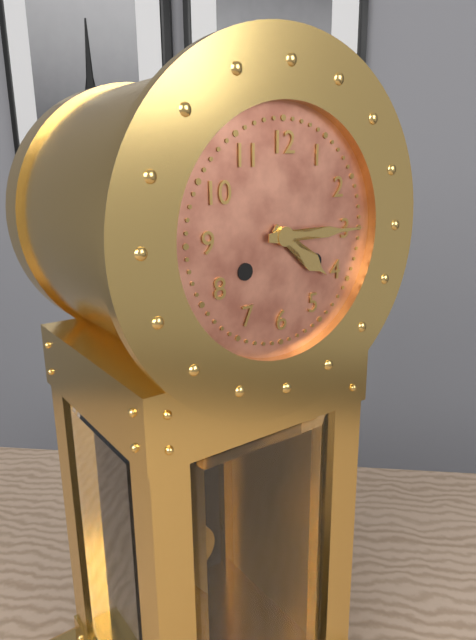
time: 4:15
